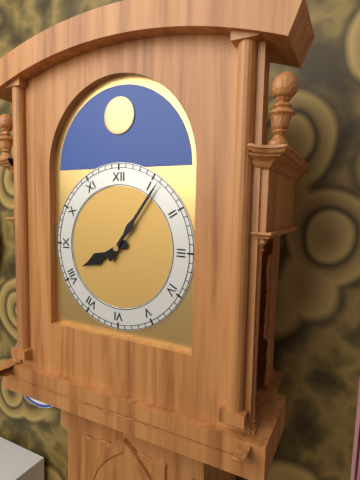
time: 8:06
